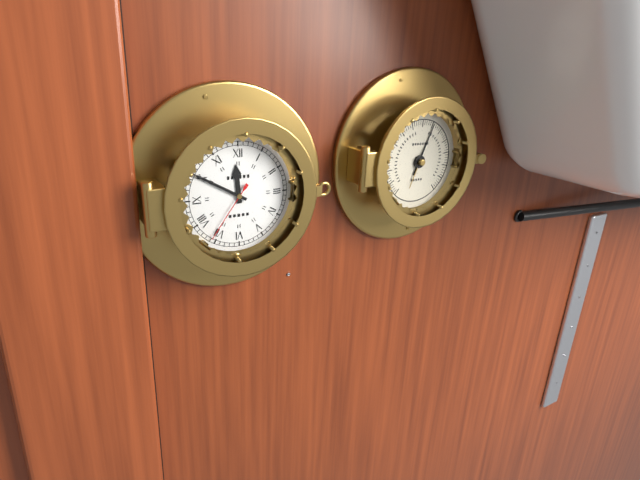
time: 11:50:36
